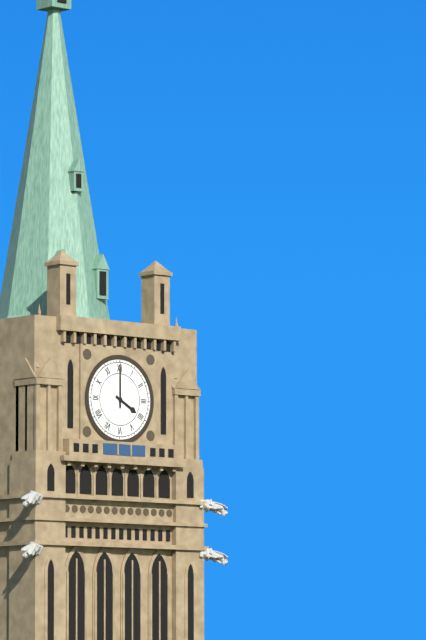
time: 4:00
